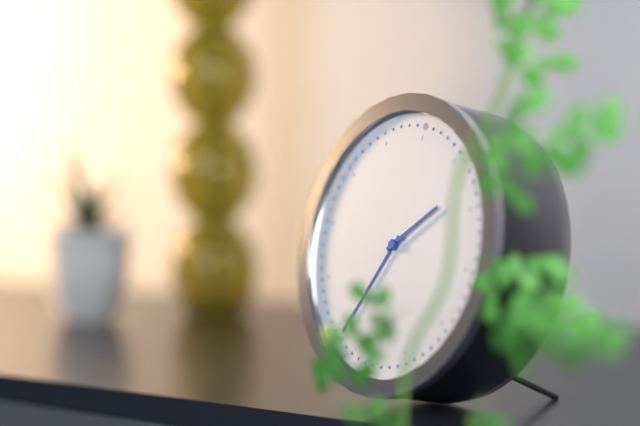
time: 1:34
